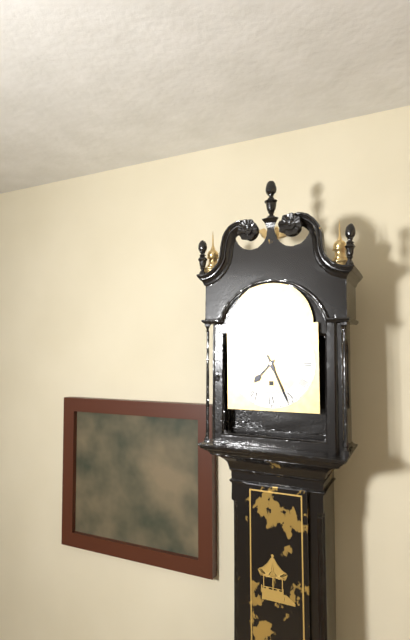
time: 7:26
